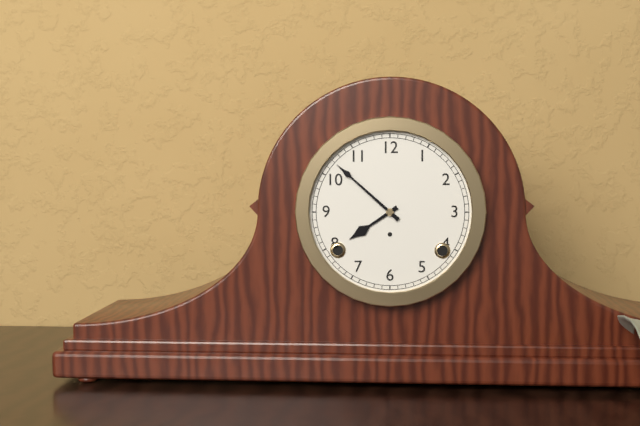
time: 7:52
